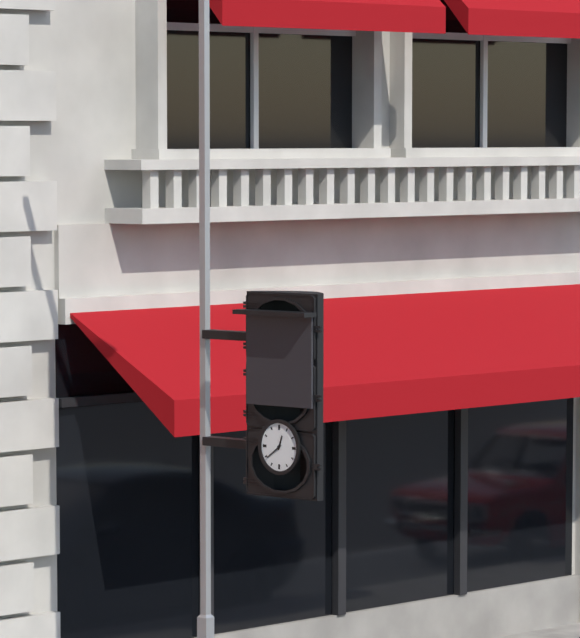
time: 12:39
